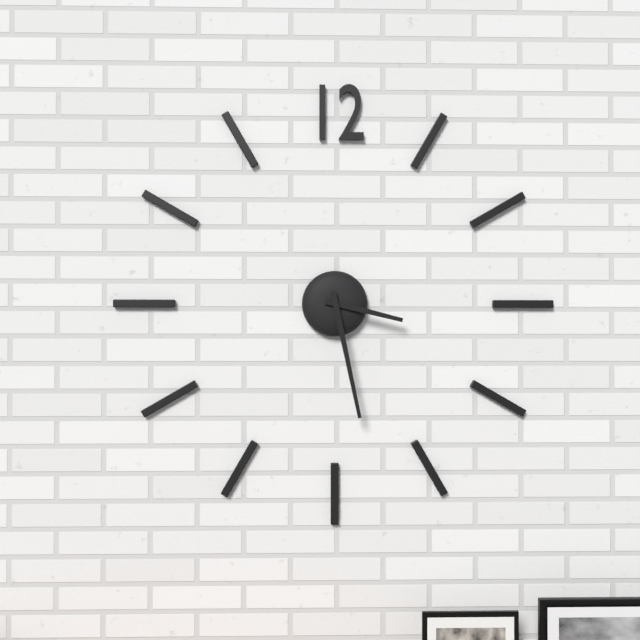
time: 3:28
